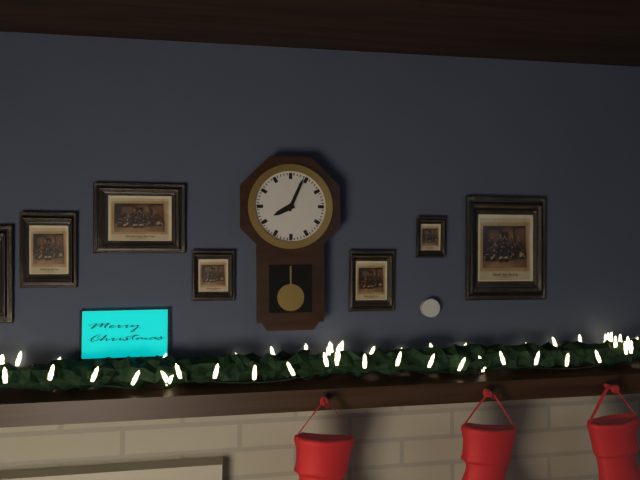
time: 8:04
